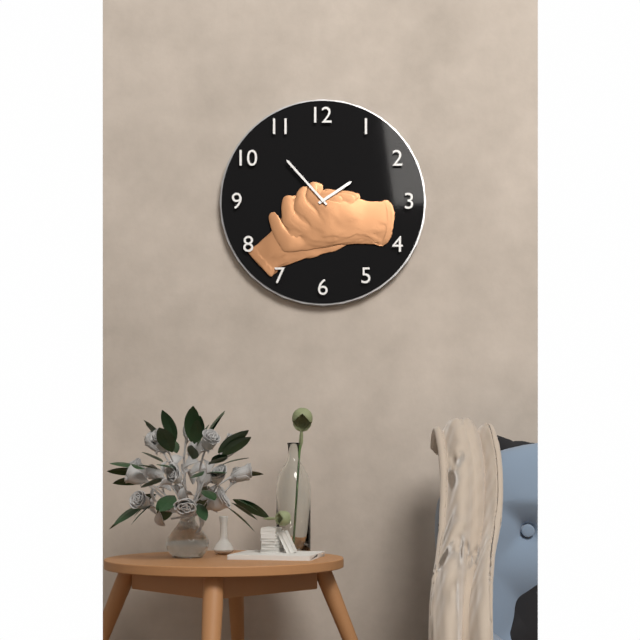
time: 1:53
